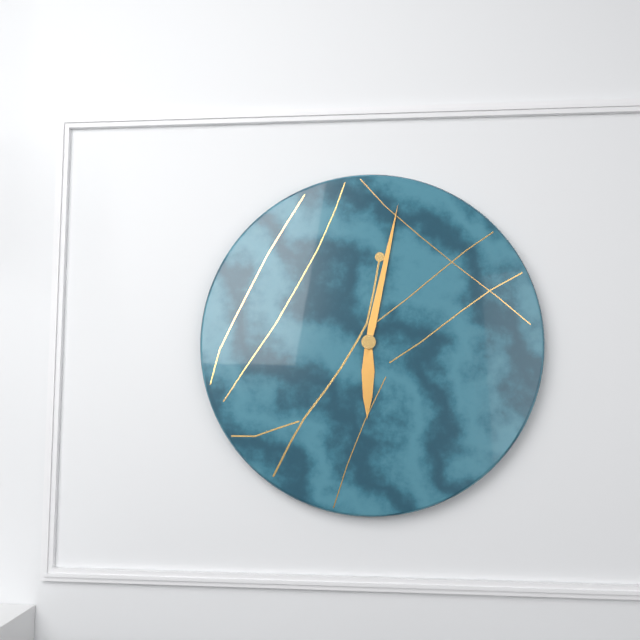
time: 6:02
